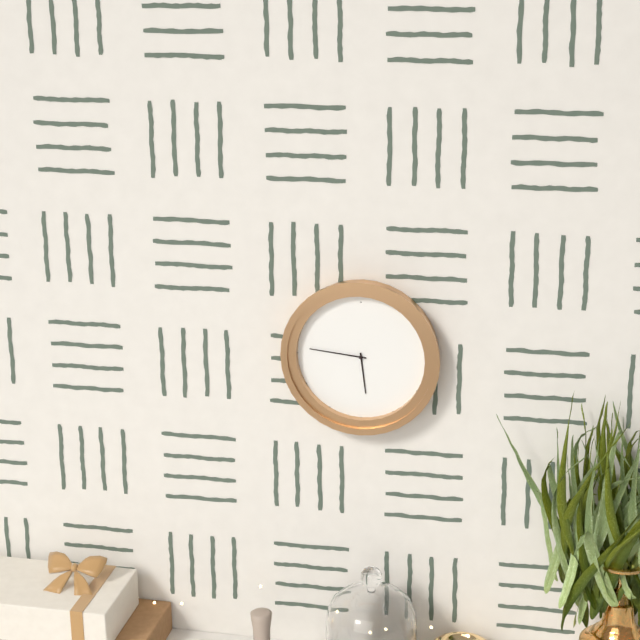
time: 5:46
